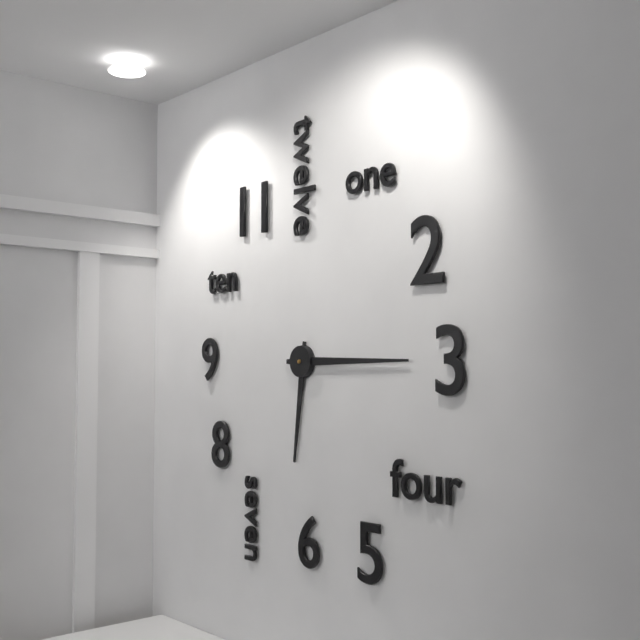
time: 6:15
